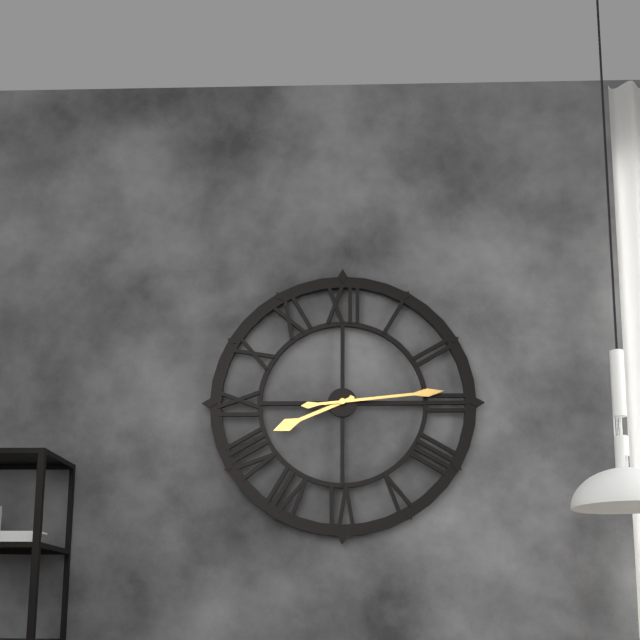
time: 8:14
